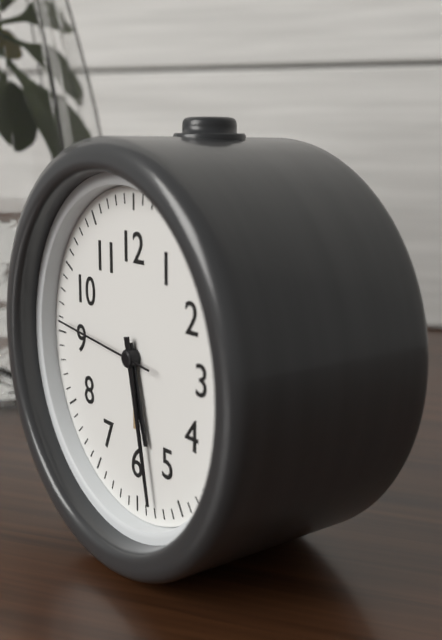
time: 5:28:46
